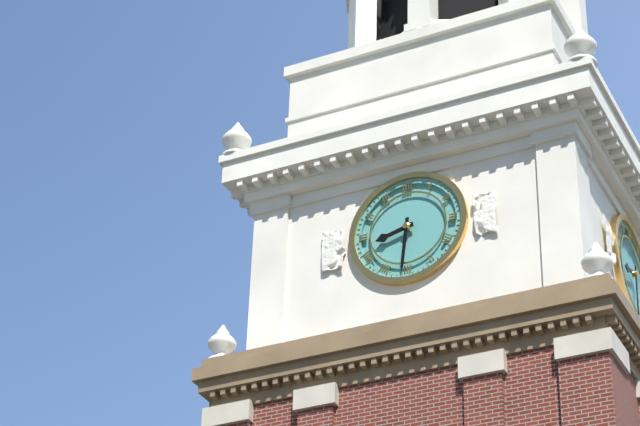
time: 8:31
